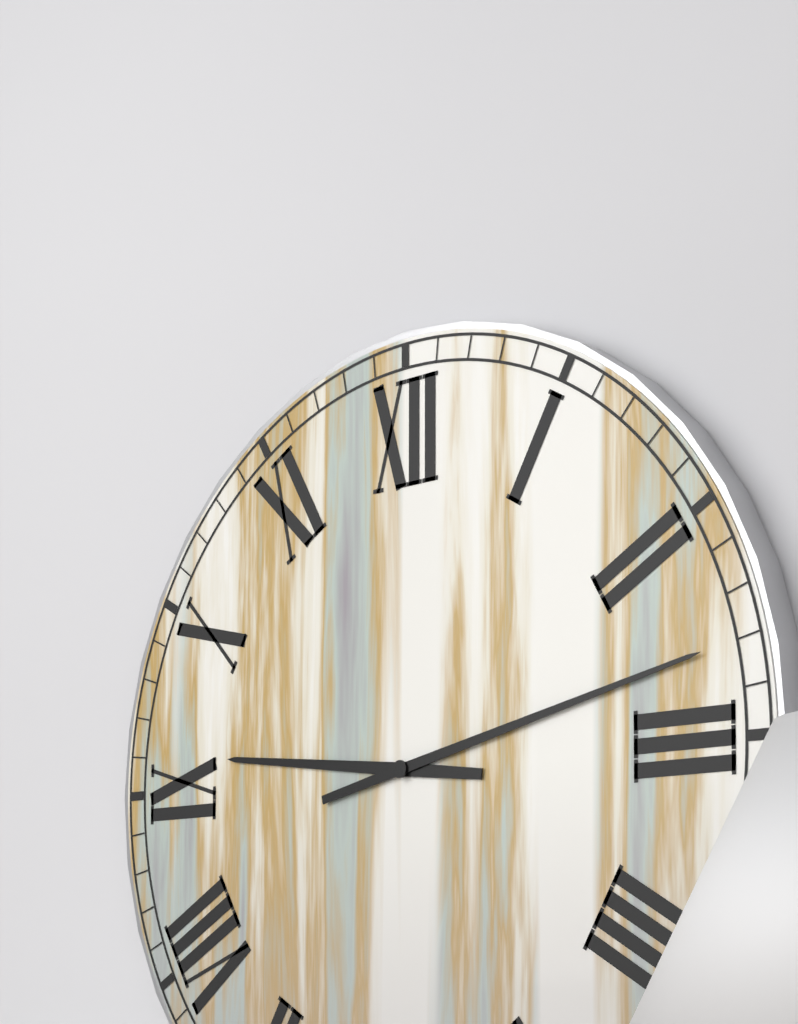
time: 9:13
